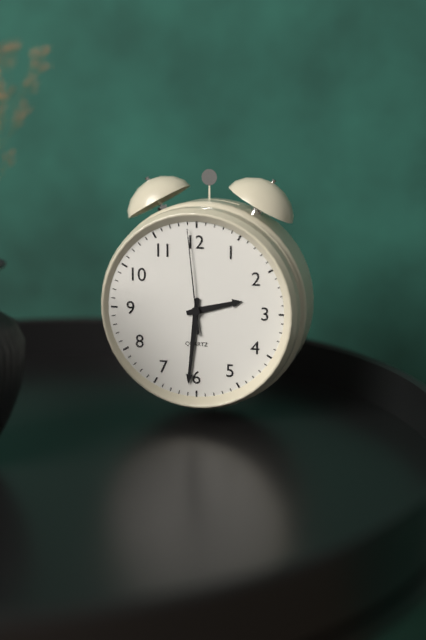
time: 2:31:59
